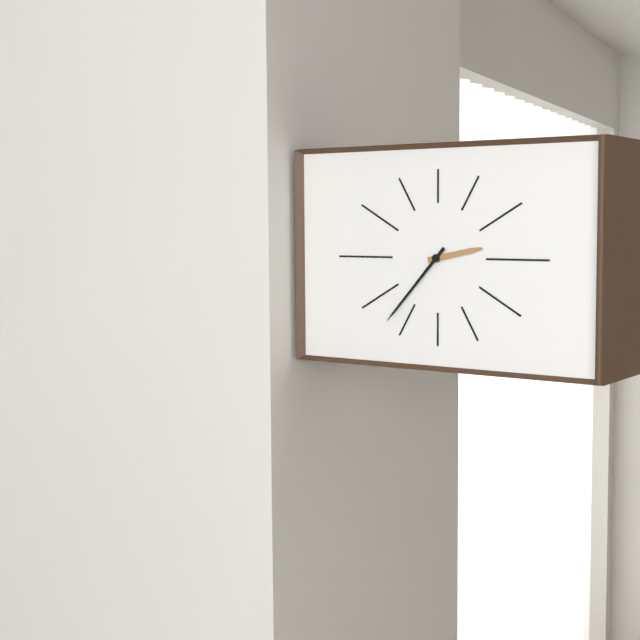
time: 2:37
